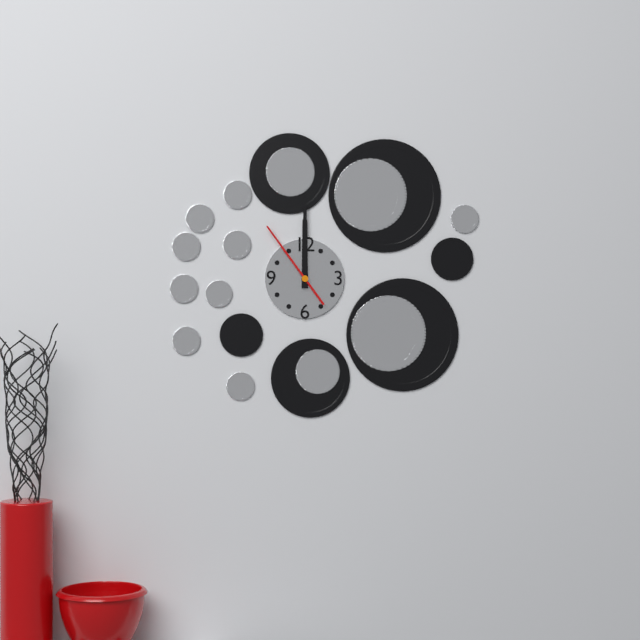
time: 12:00:54
